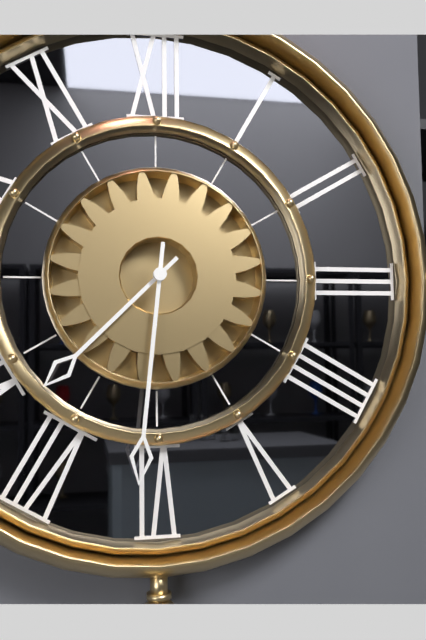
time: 7:31
